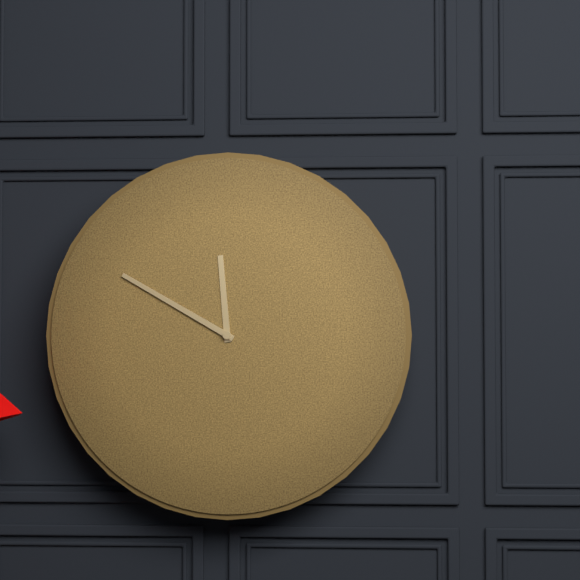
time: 11:50
